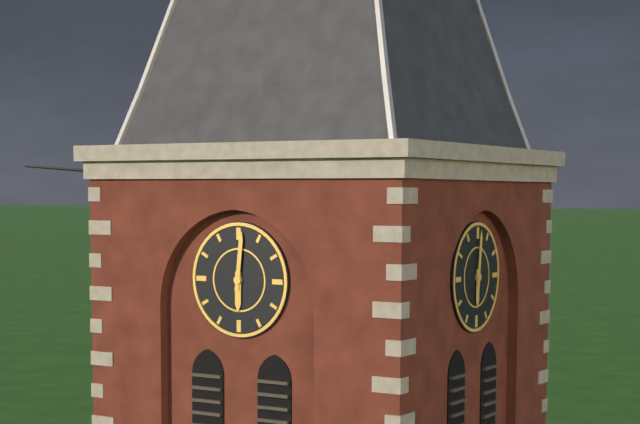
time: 6:01
